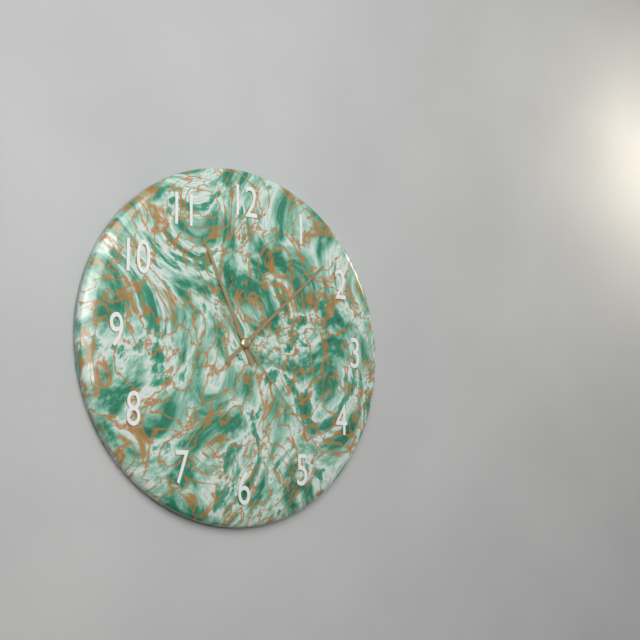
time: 11:08:23
